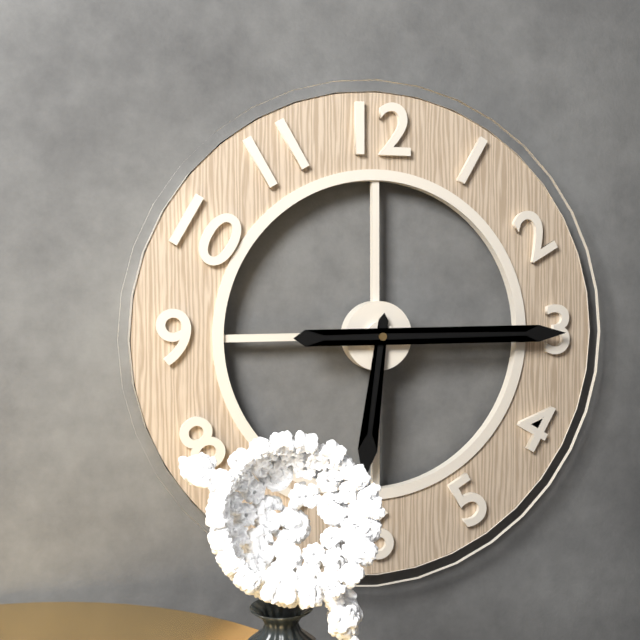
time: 6:15
